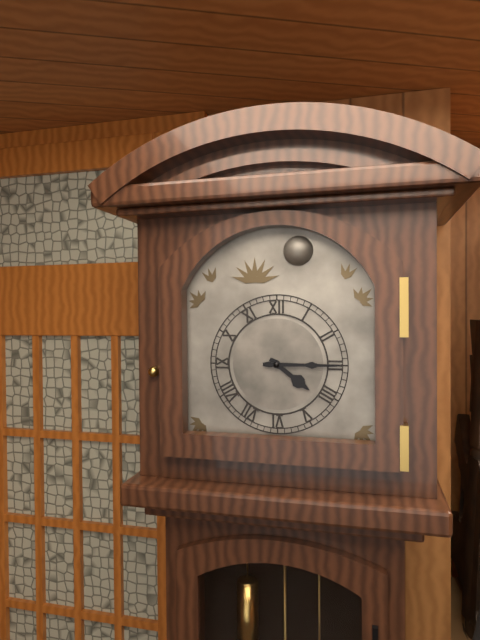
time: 4:15
